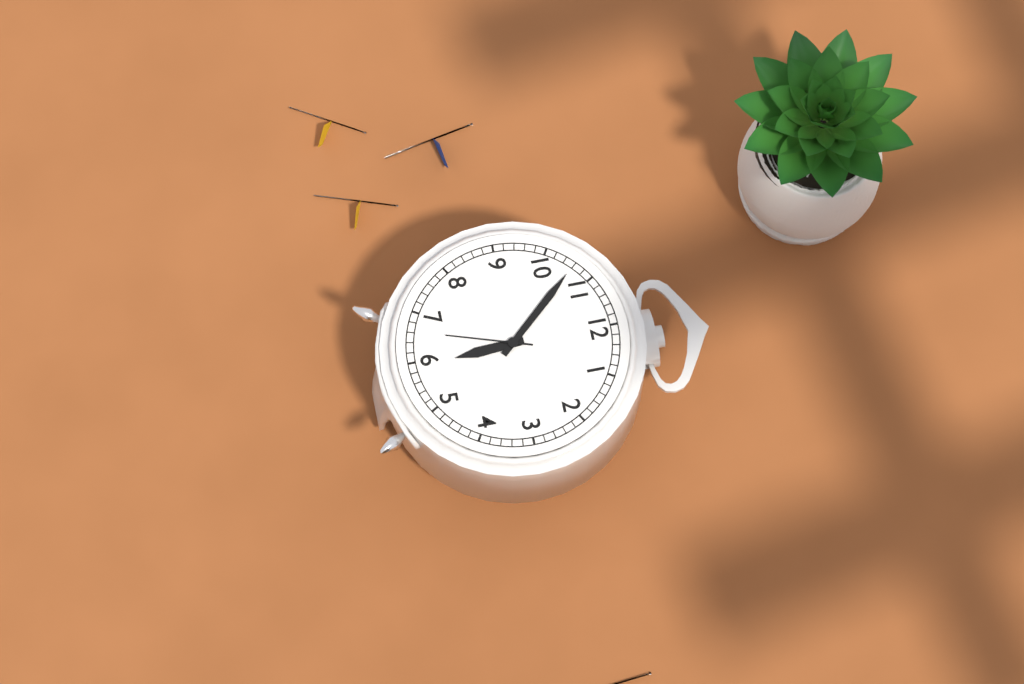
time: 5:53:33
